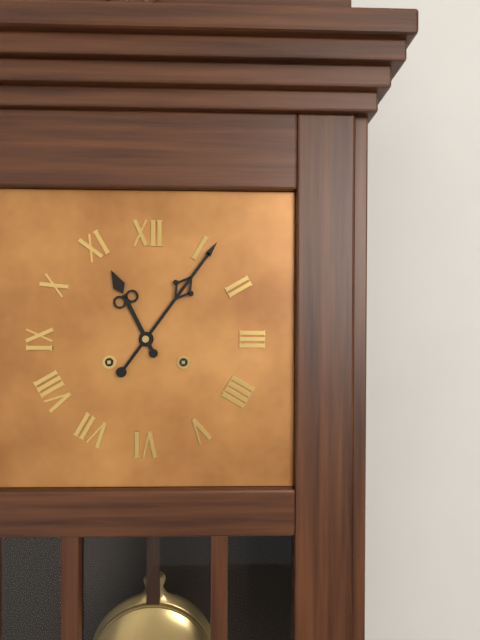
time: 11:06
